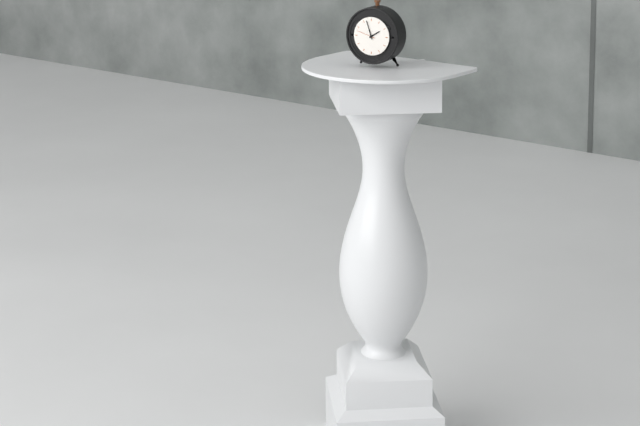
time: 1:57
